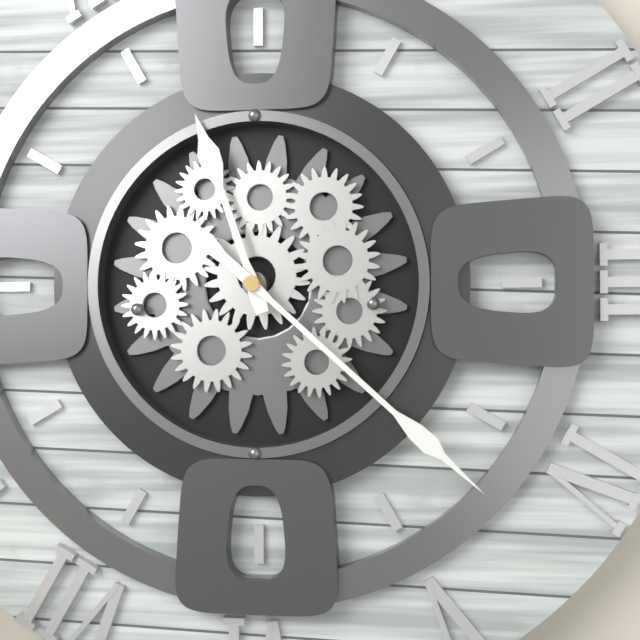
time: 11:22
